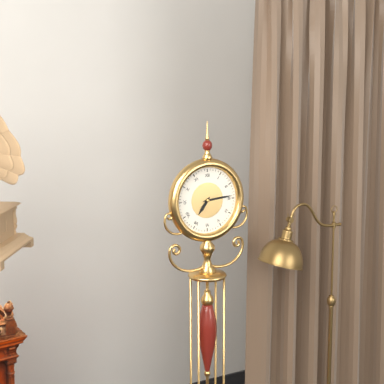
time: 7:14
